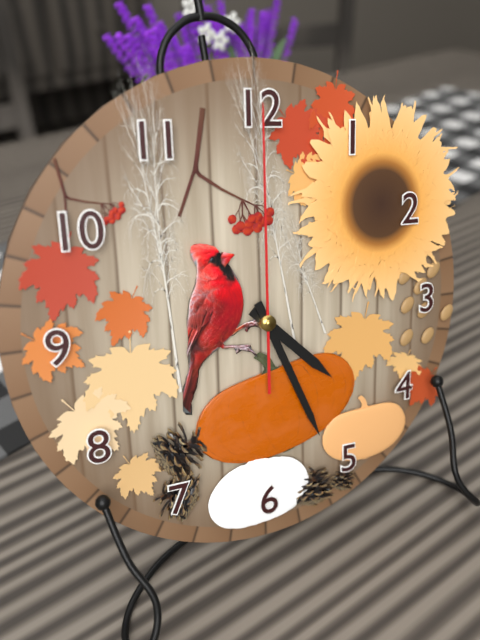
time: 4:26:00
